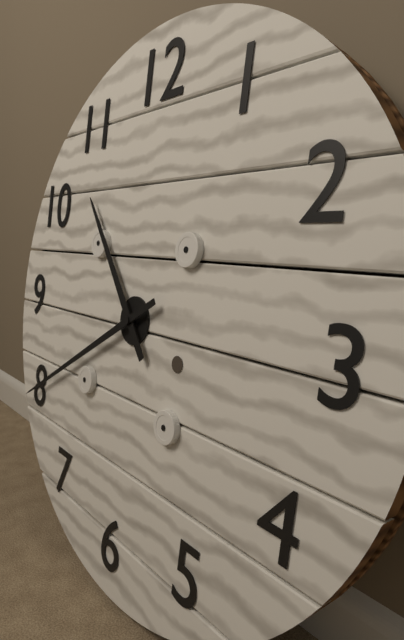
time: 10:40
